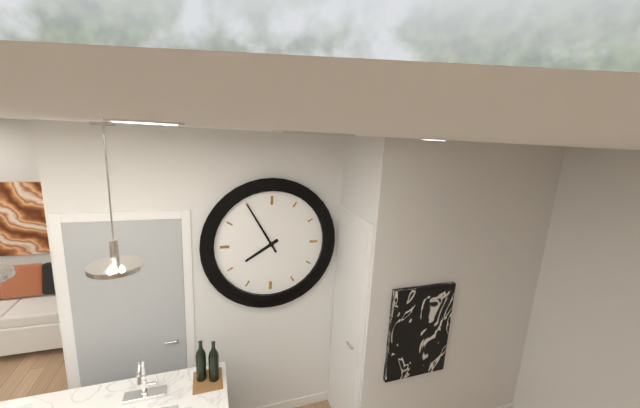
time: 7:55
